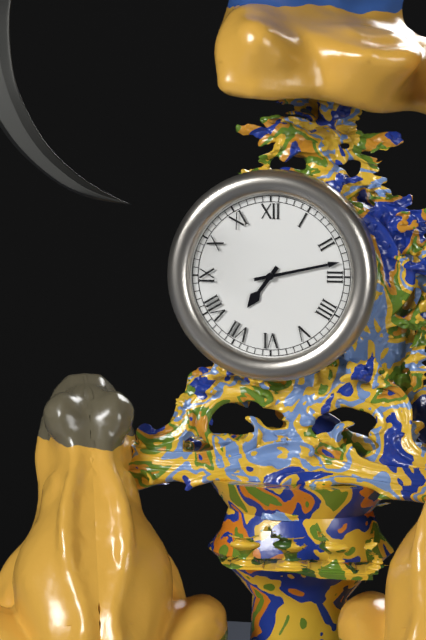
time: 7:13
